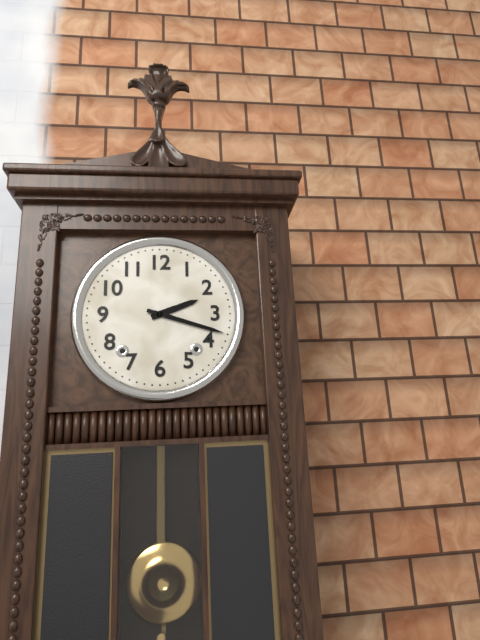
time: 2:18
